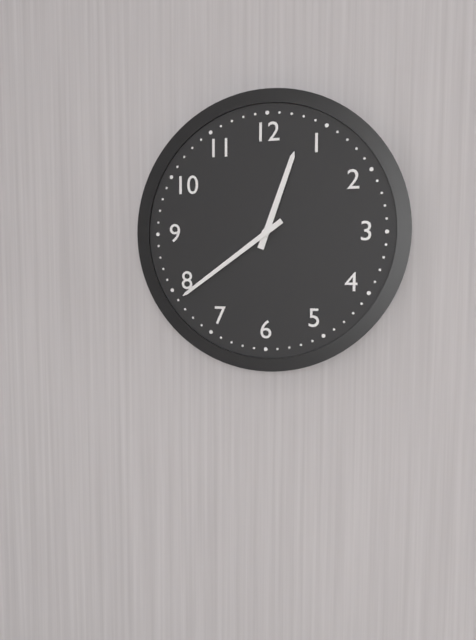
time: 12:39
